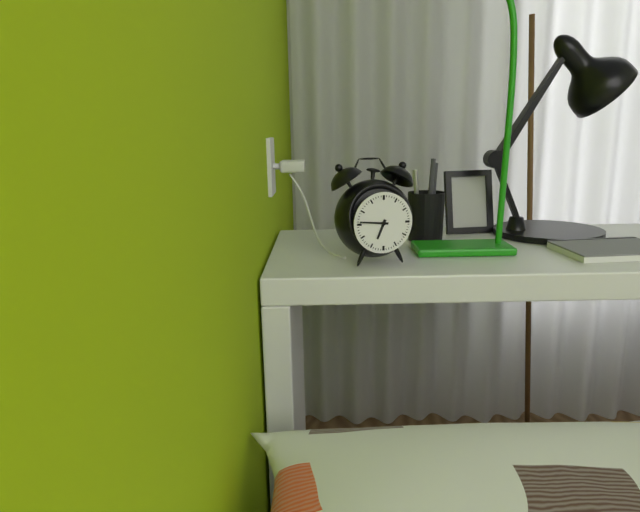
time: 6:46
